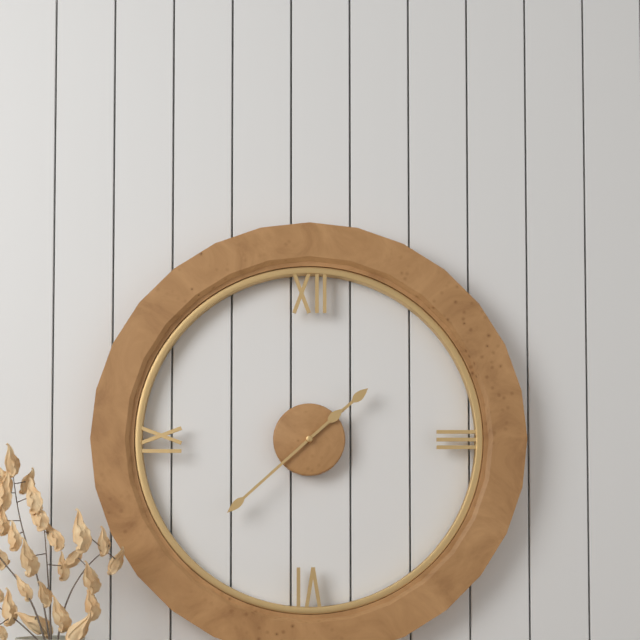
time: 1:38
